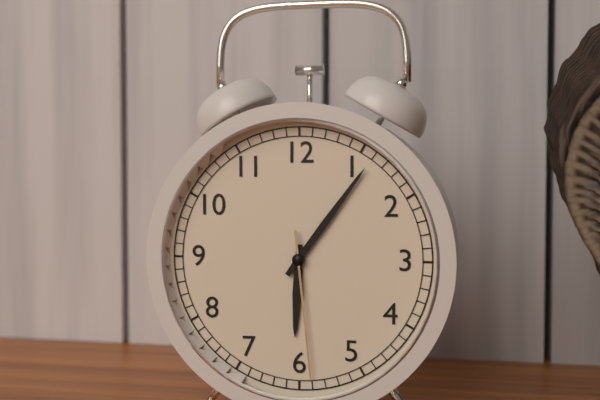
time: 6:06:29
